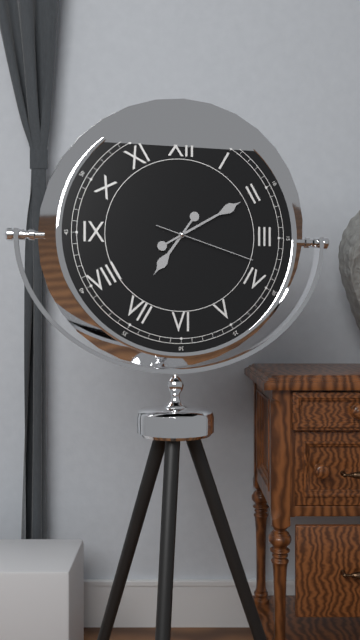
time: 7:10:18
